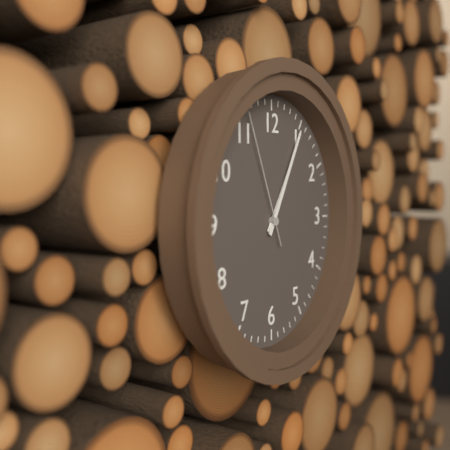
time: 1:05:56
